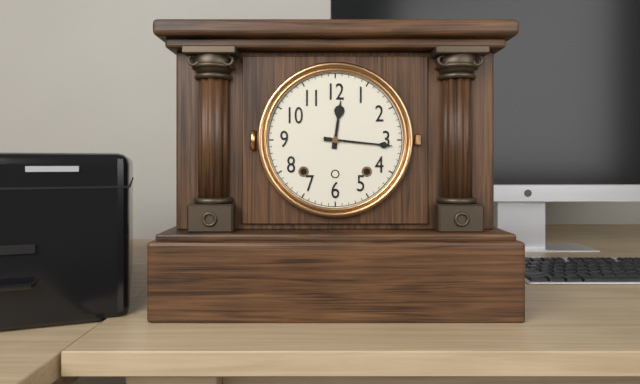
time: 12:16
